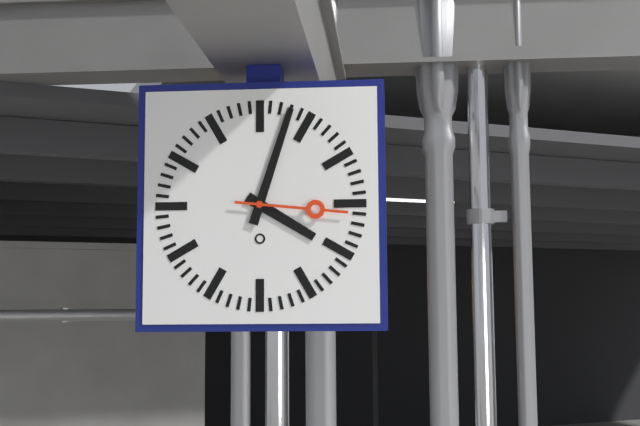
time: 4:03:16
